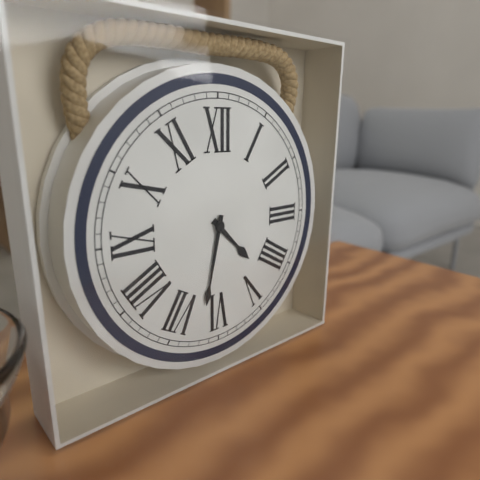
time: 4:32
